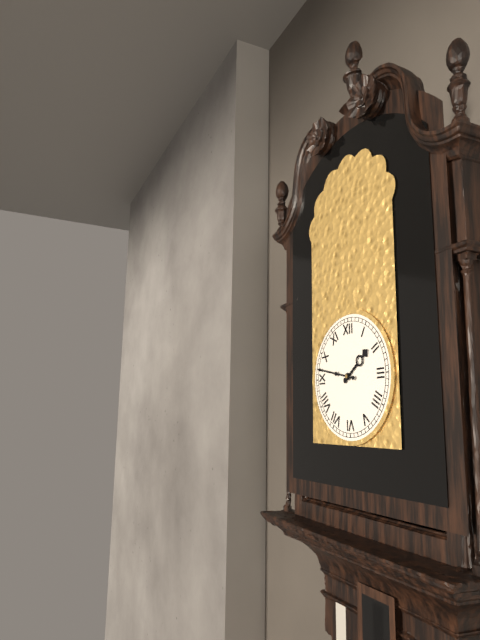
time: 1:47
